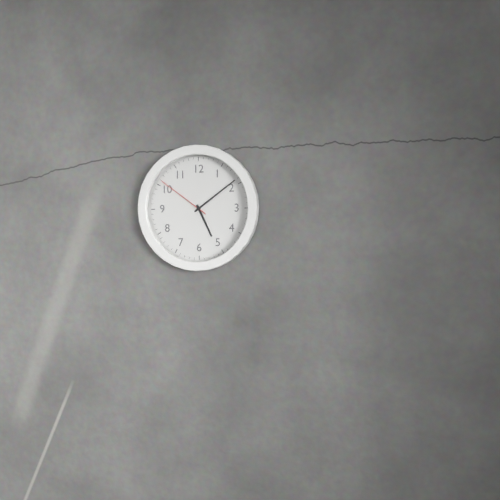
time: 5:09:51
